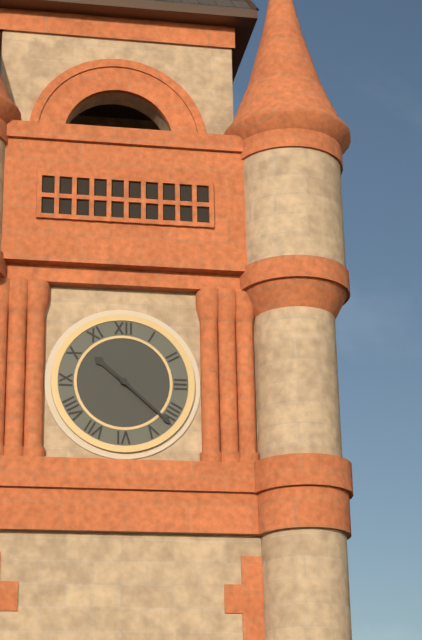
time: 10:22
